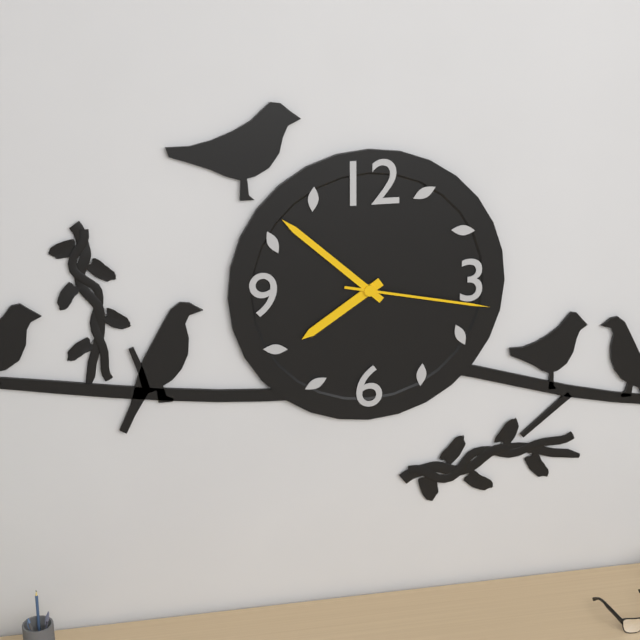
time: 7:52:17
